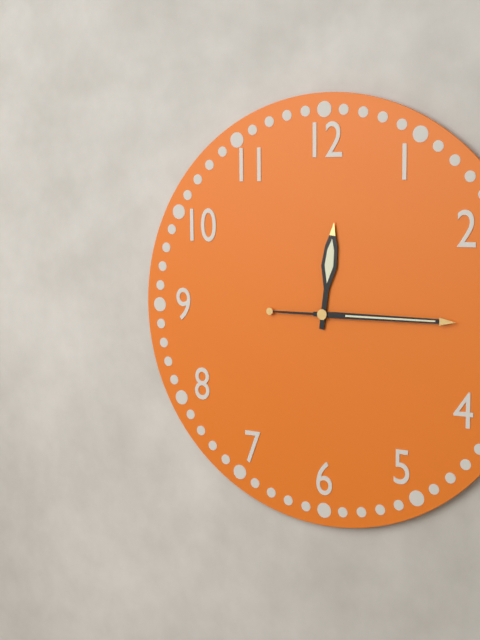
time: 12:15
